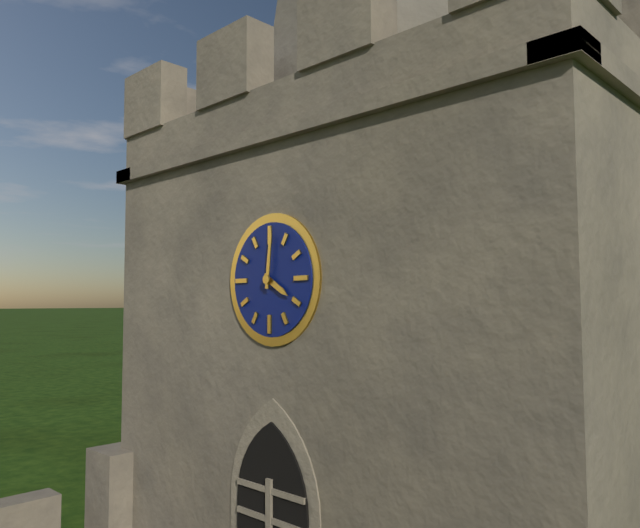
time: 4:01
